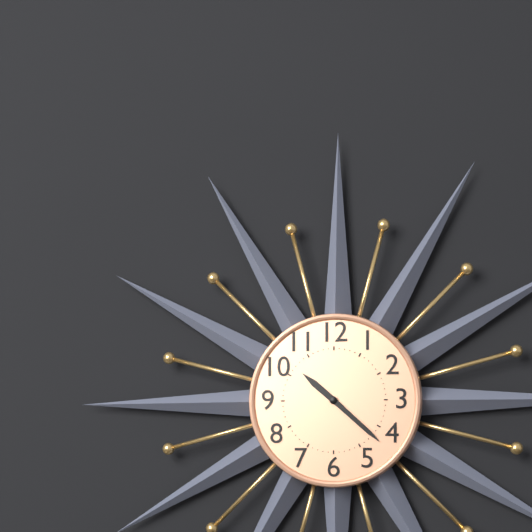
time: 10:22
